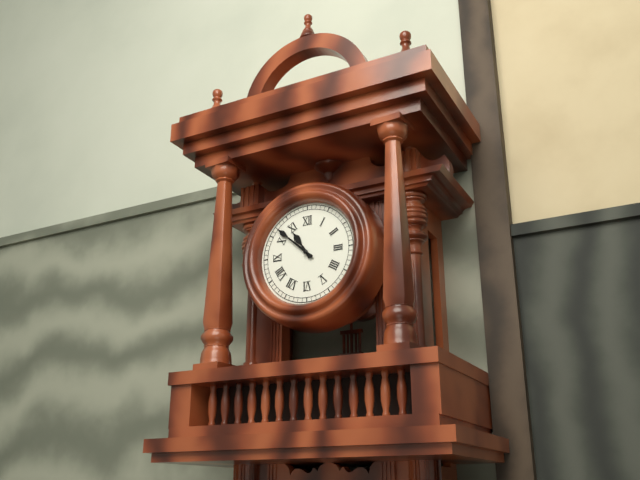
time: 10:52
